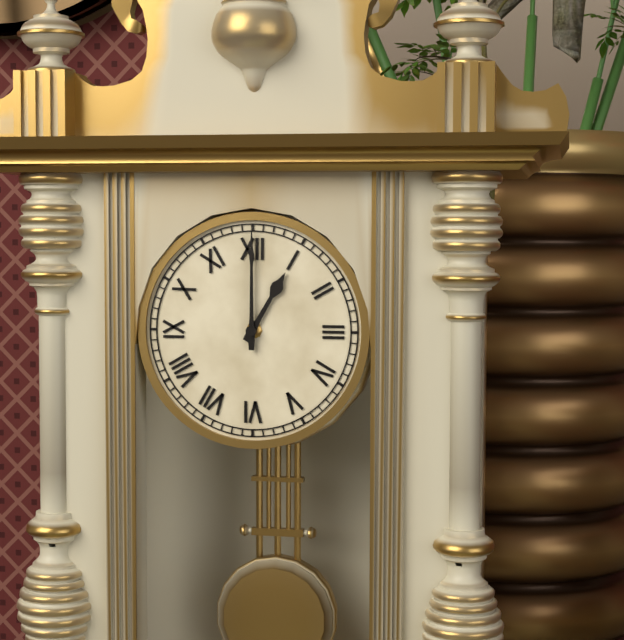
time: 1:00
